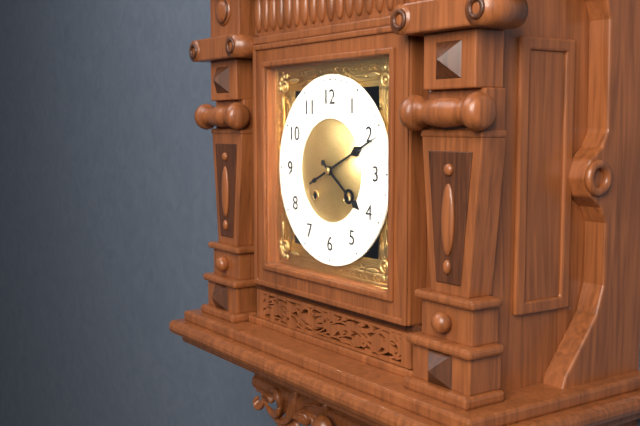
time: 4:11
